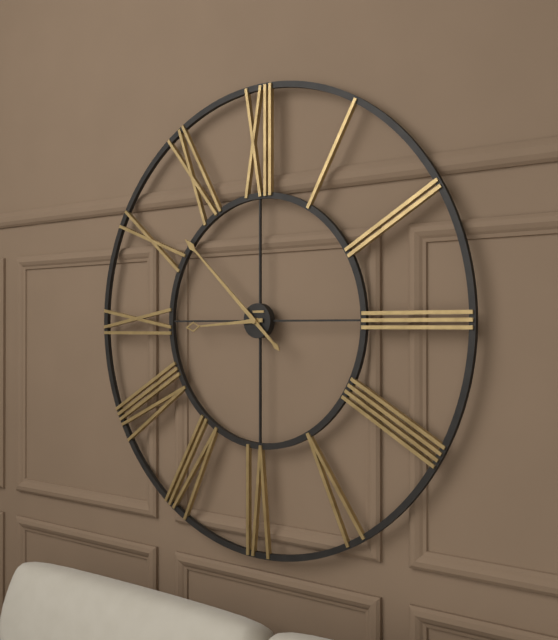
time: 8:52
